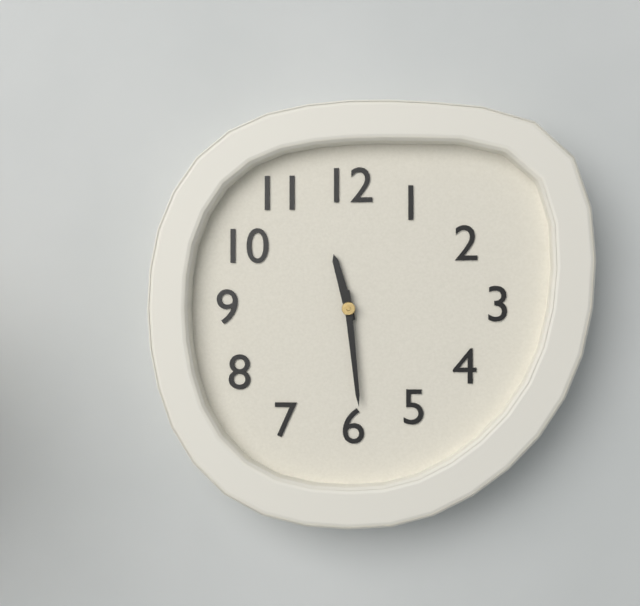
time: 11:29
